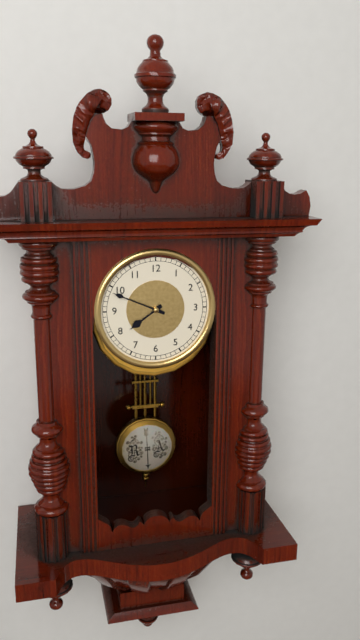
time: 7:49
